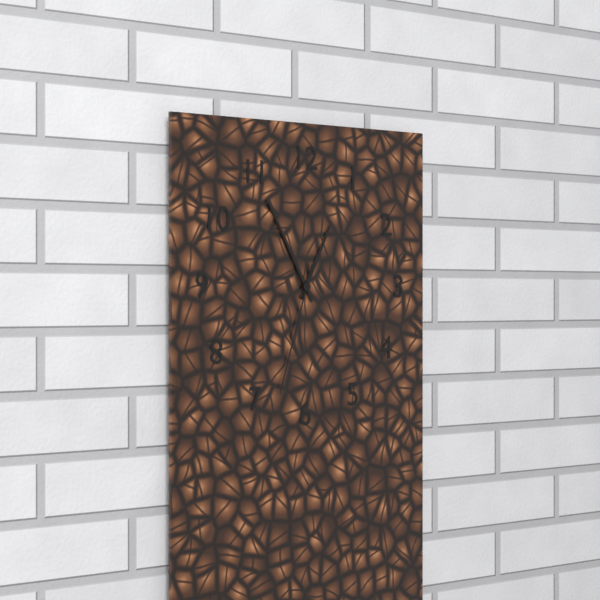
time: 12:55:33
